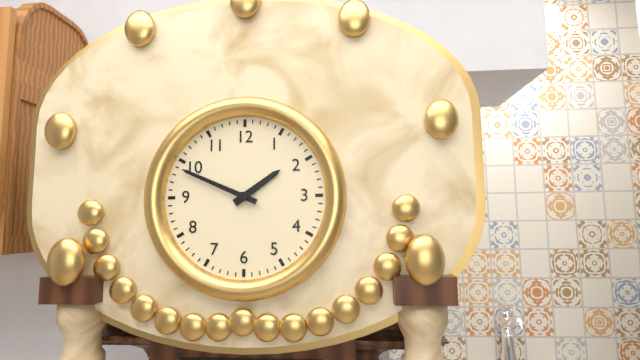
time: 1:49
